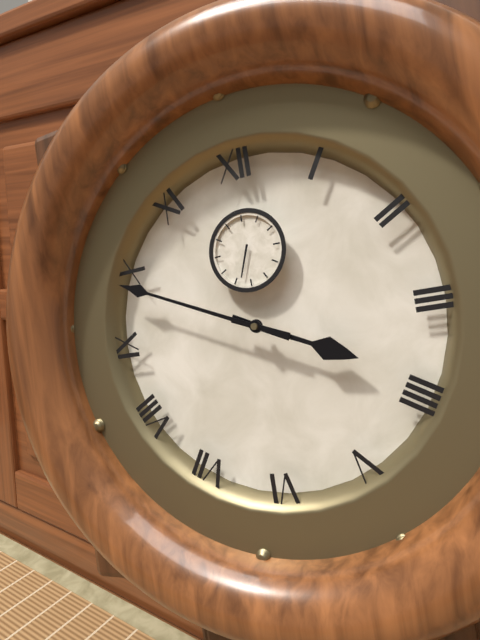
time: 3:49
